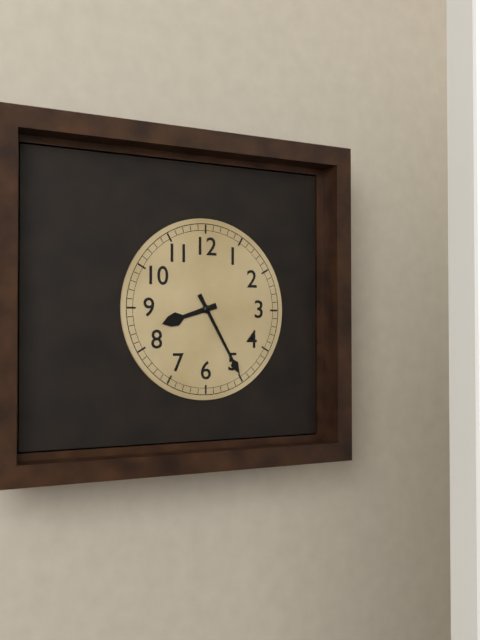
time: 8:25
